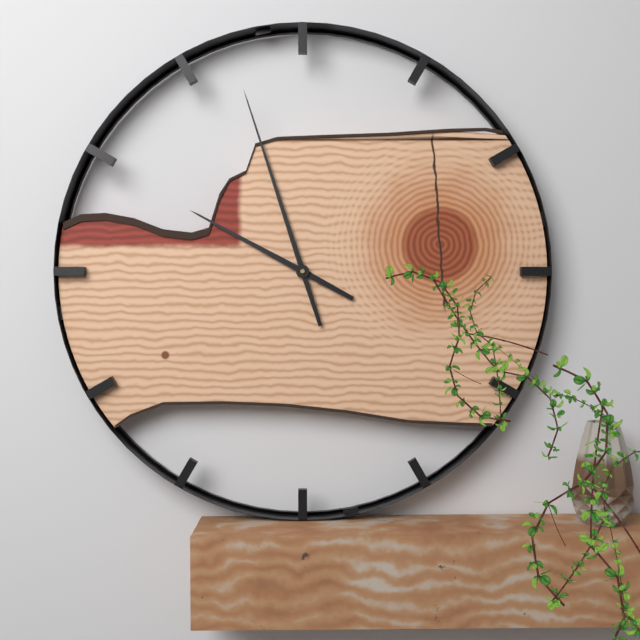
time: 9:57
